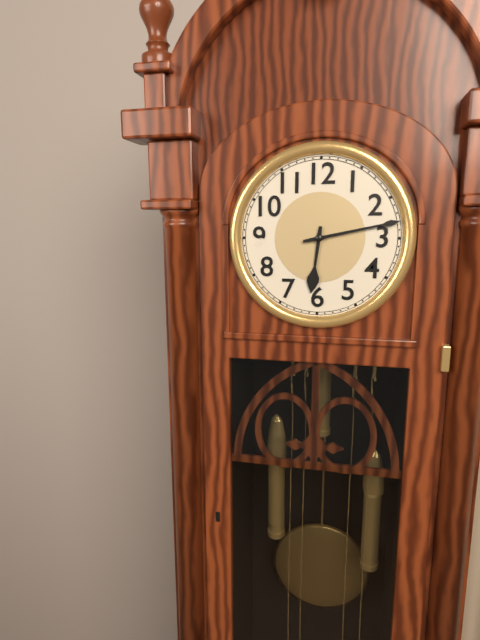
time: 6:13
